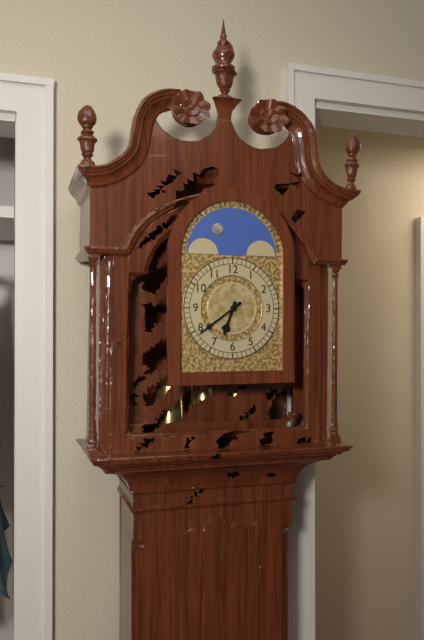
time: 6:39
